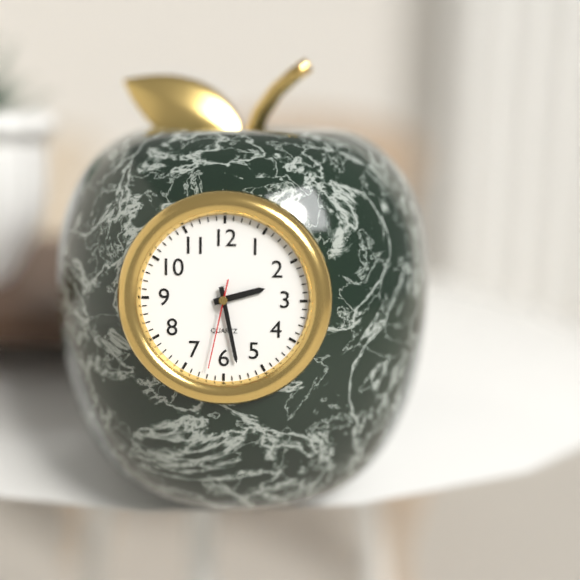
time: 2:28:32
